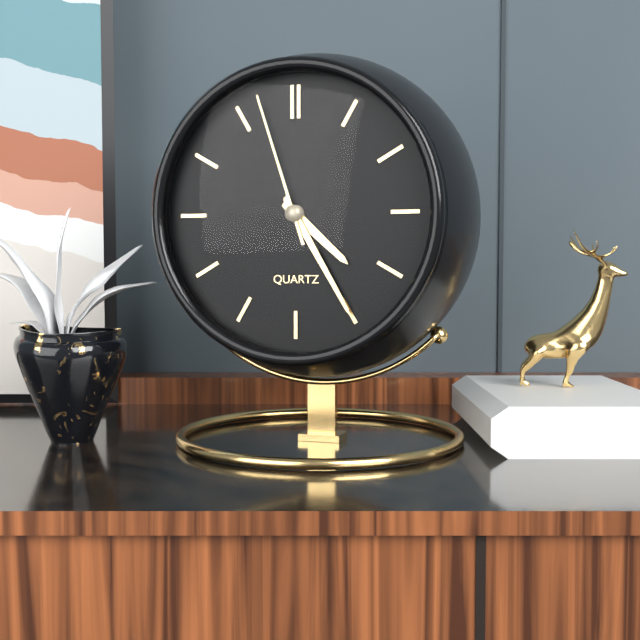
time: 4:25:57
